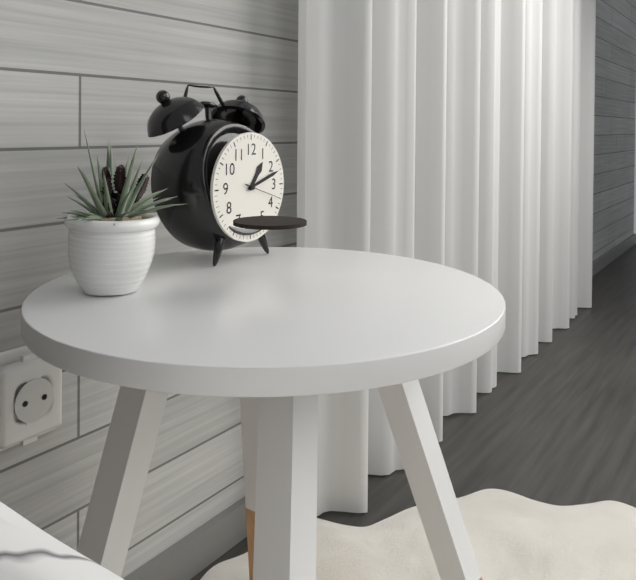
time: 1:12
